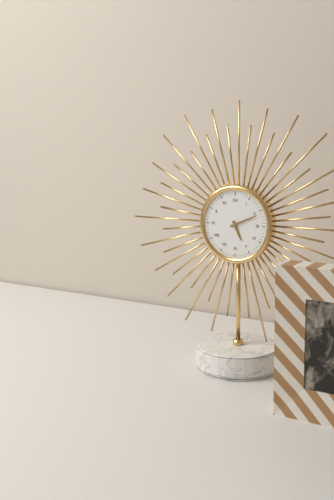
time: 5:11
